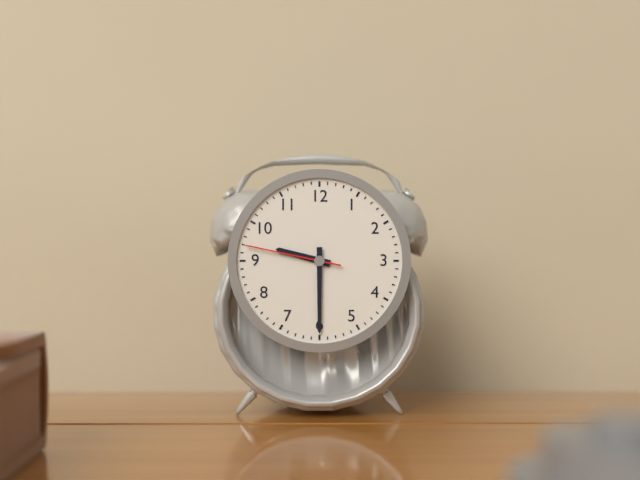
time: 9:30:47
